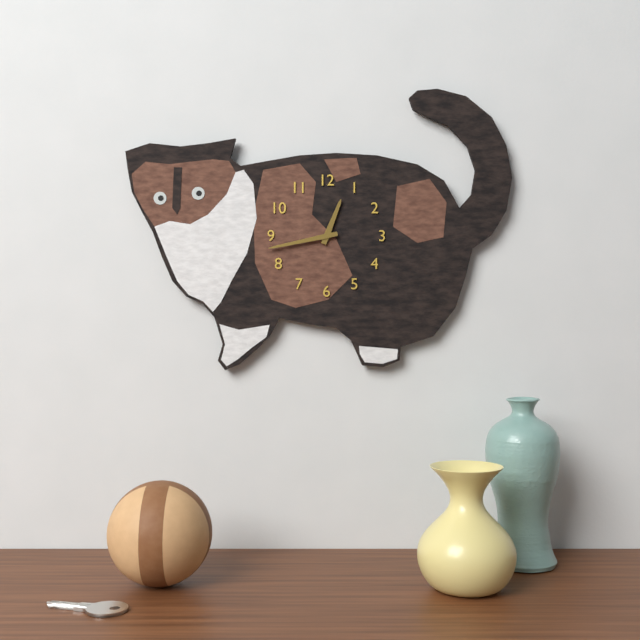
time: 12:43
